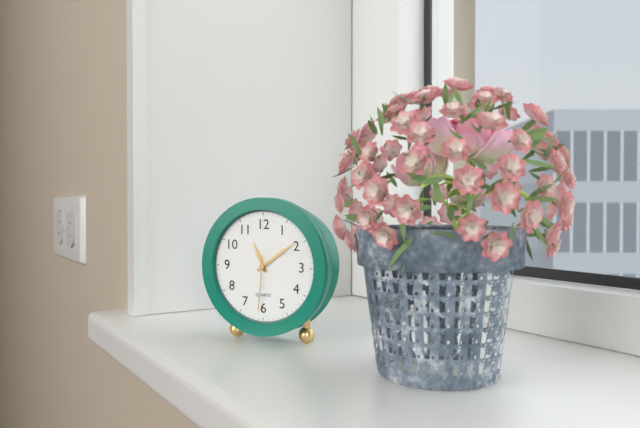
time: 11:09:31
